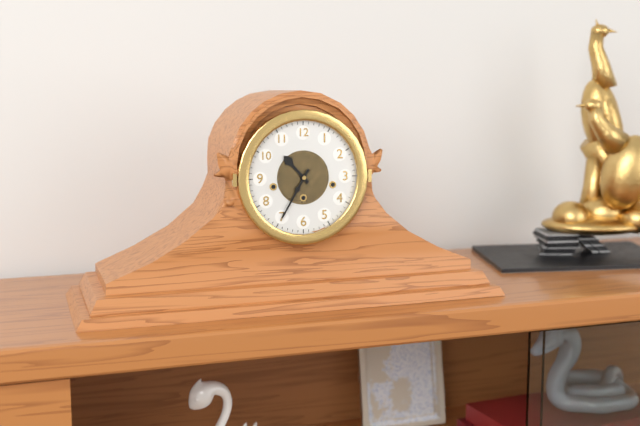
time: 10:35
